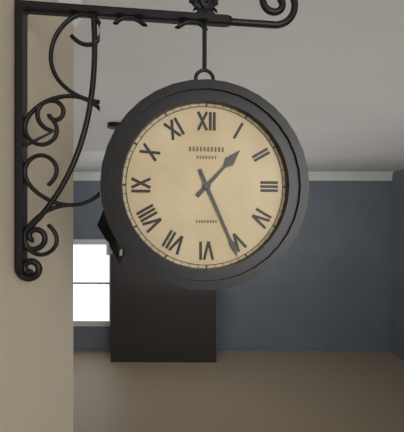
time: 1:26
